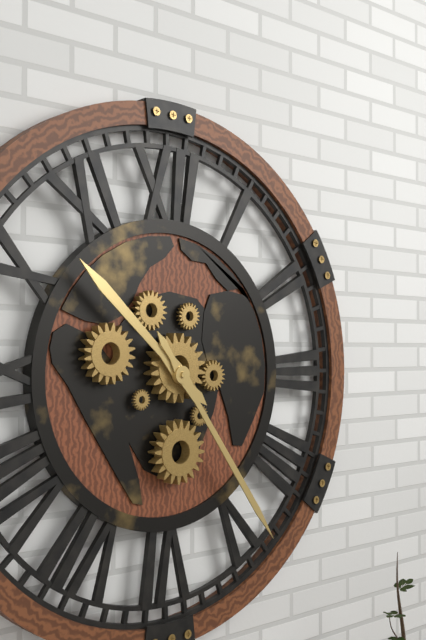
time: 10:24
